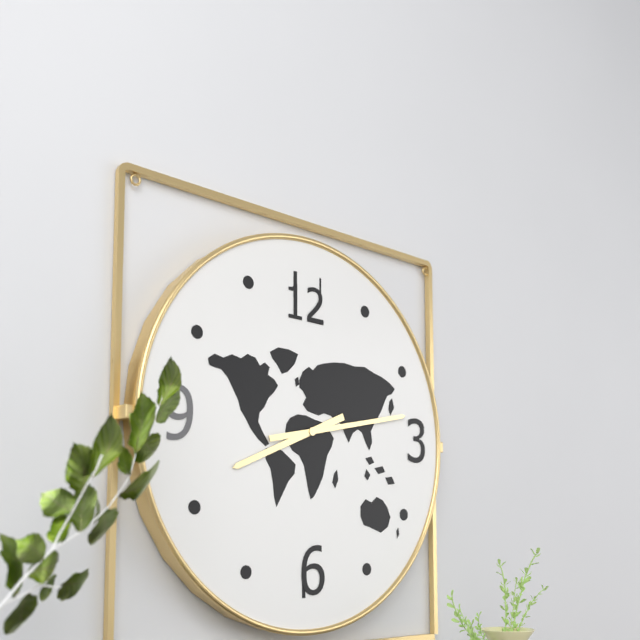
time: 8:13
